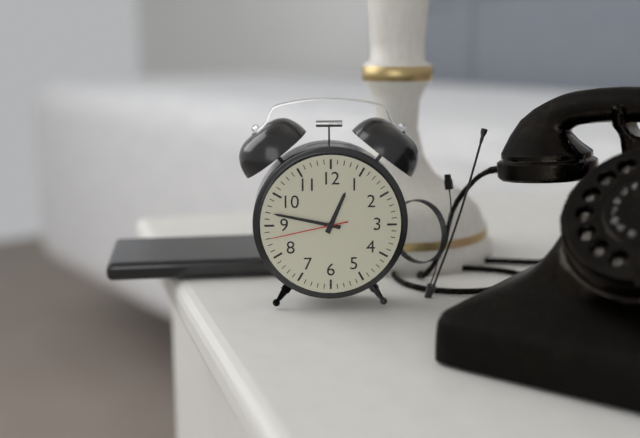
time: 12:47:43
